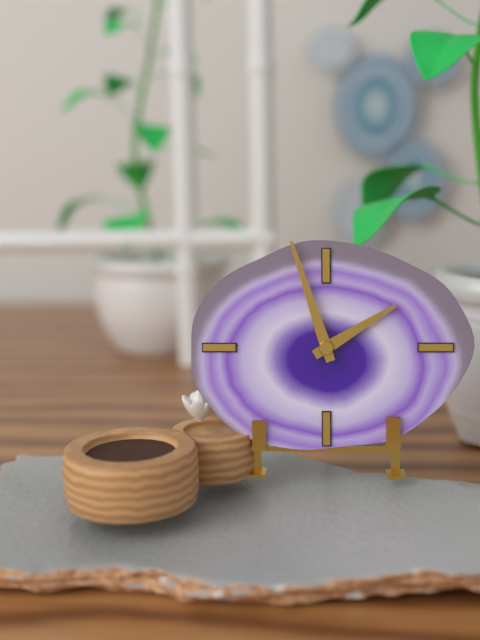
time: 1:57
